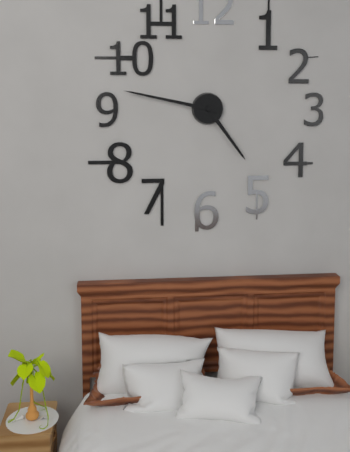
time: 4:47
